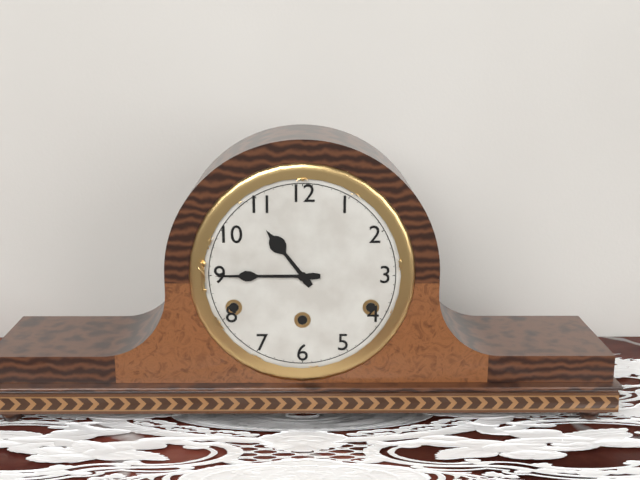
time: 10:45
